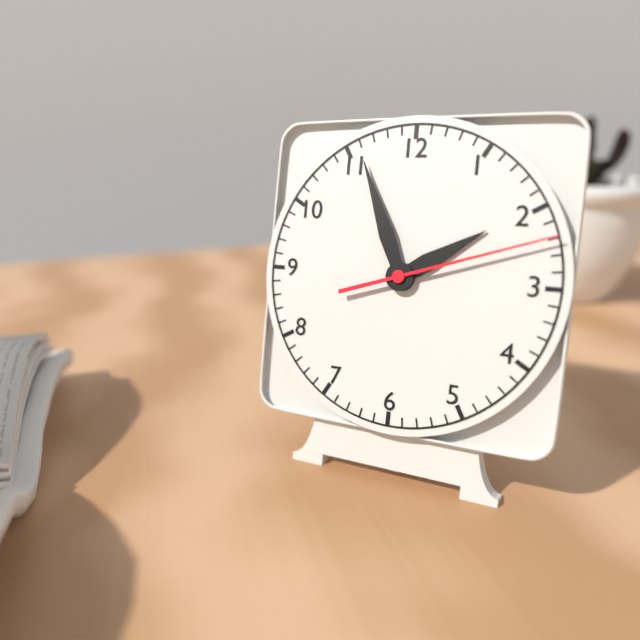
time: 1:56:12
